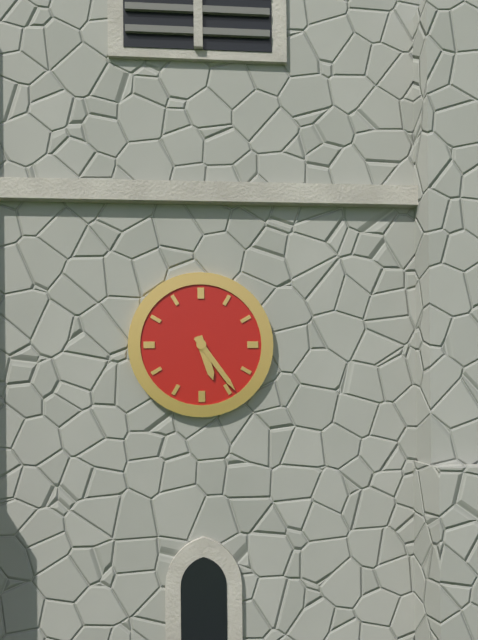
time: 5:24
